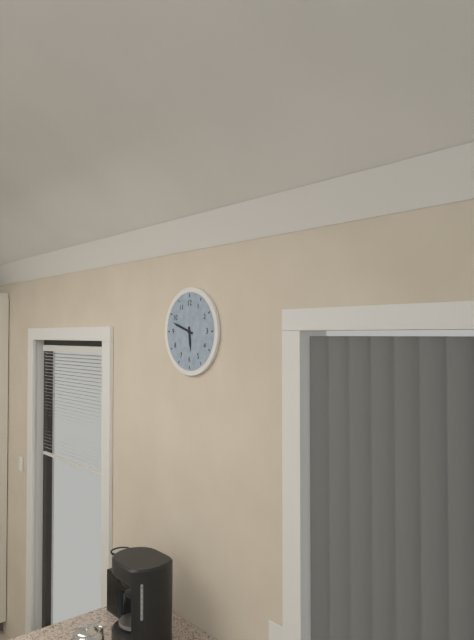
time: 5:48
